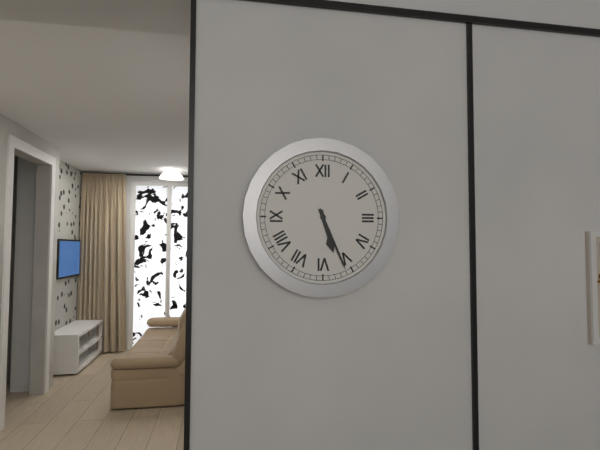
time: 5:26
